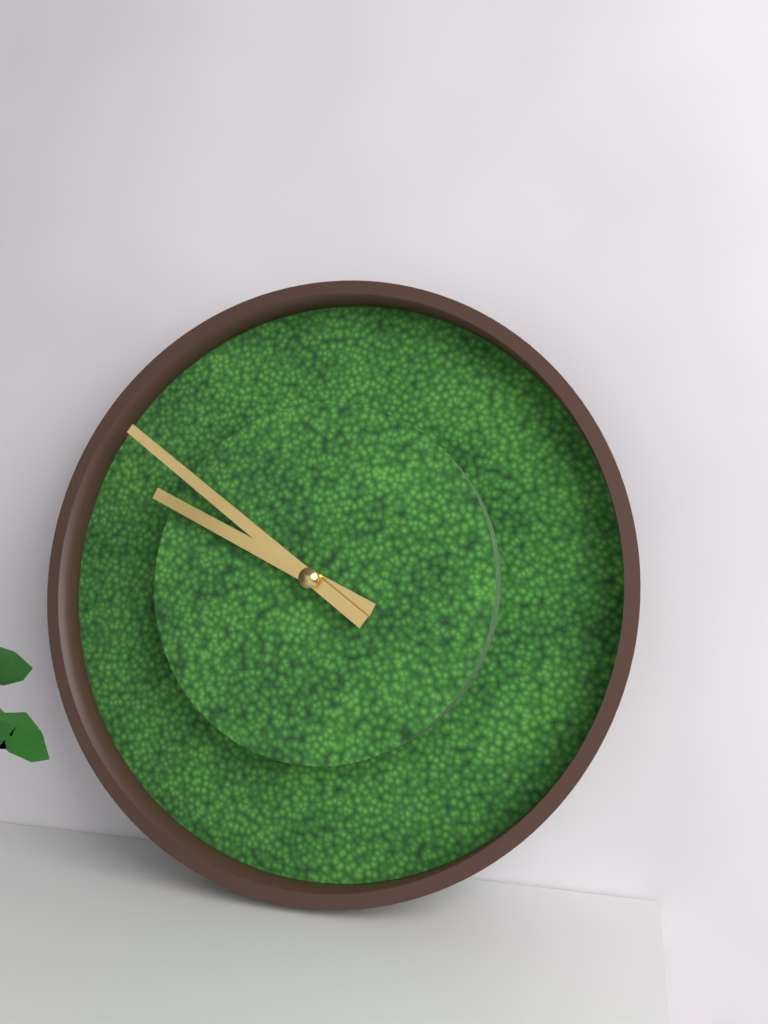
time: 9:51
